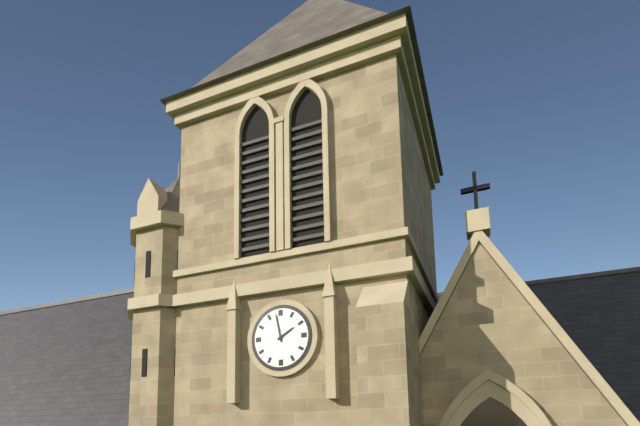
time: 1:58
